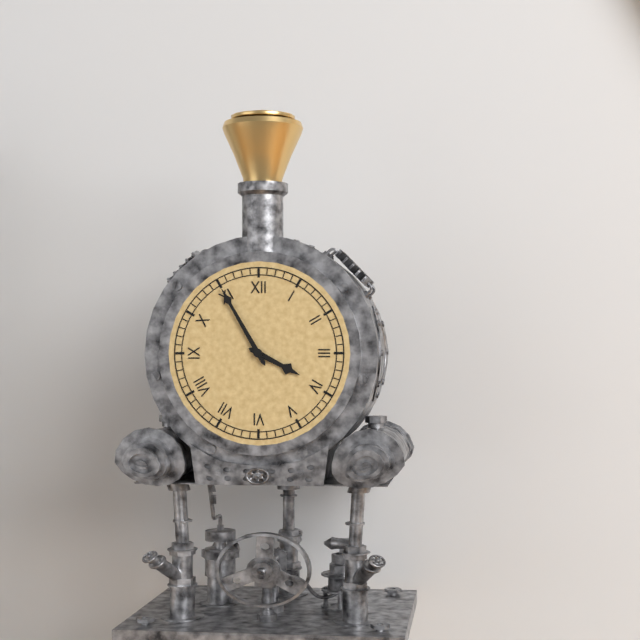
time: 3:55
